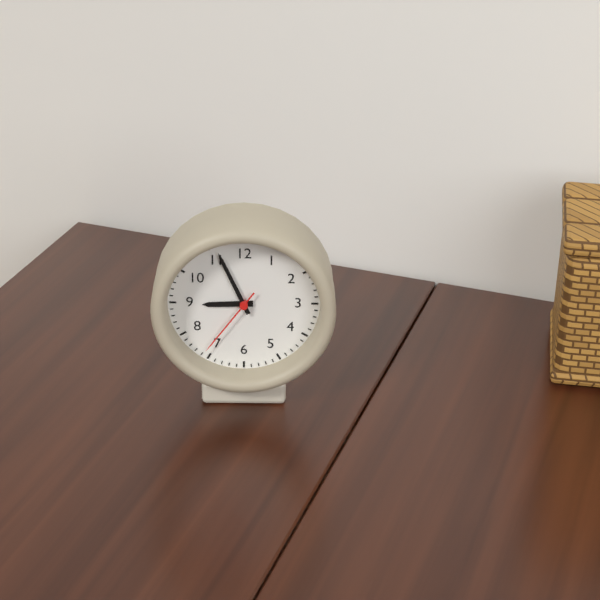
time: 8:56:36
